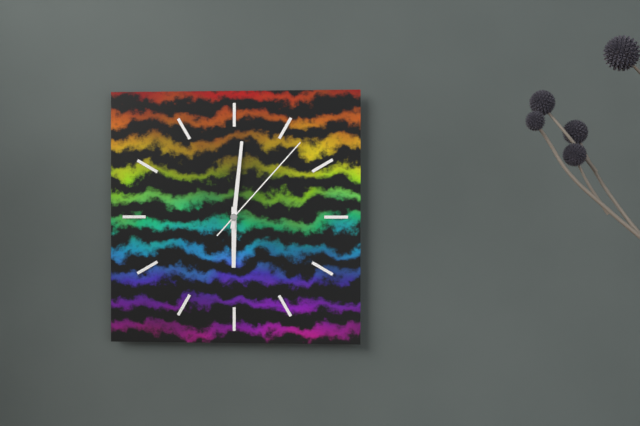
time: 6:01:07
